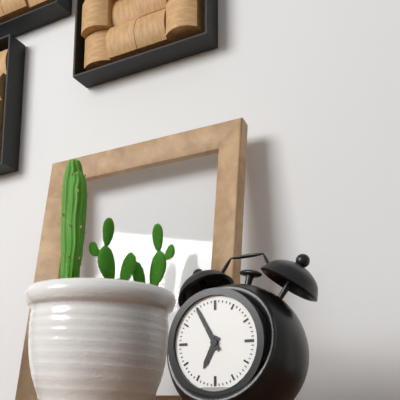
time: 6:55
